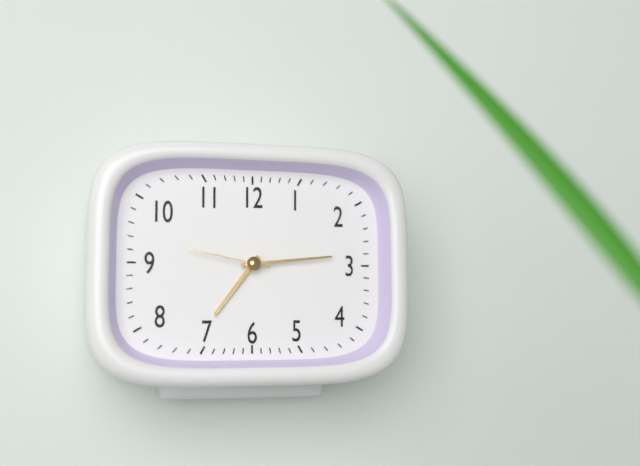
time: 7:14:47
